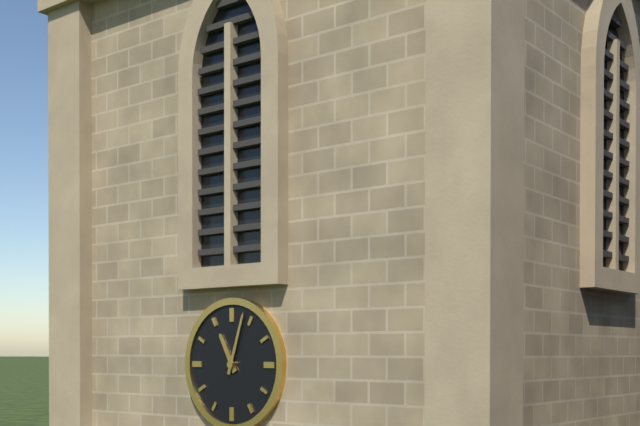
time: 11:03
